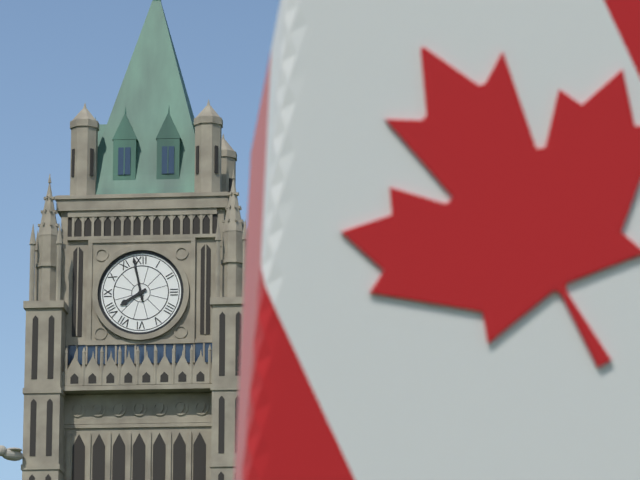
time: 7:58
